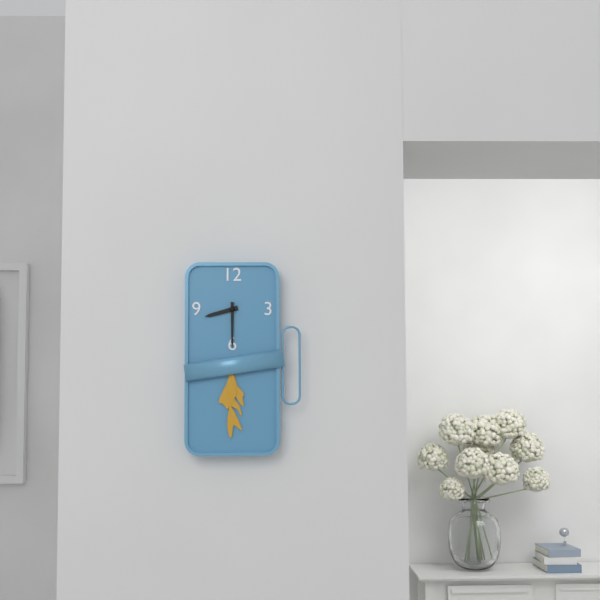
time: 8:30
